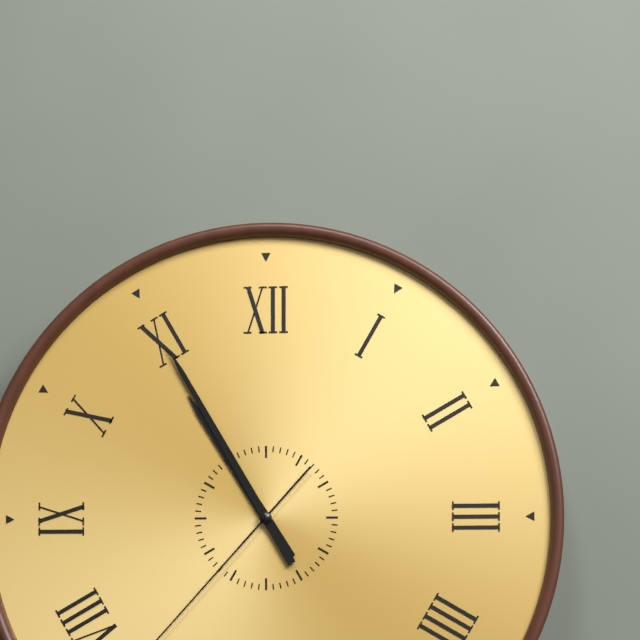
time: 10:55
